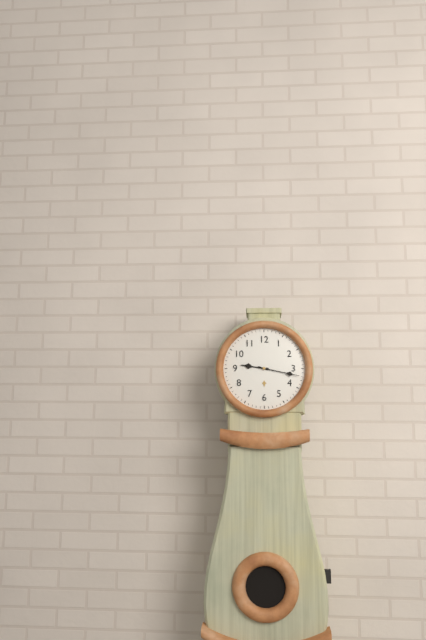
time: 9:17
